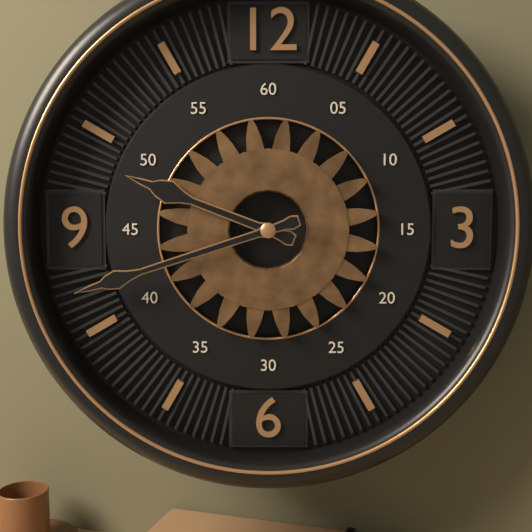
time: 9:42
